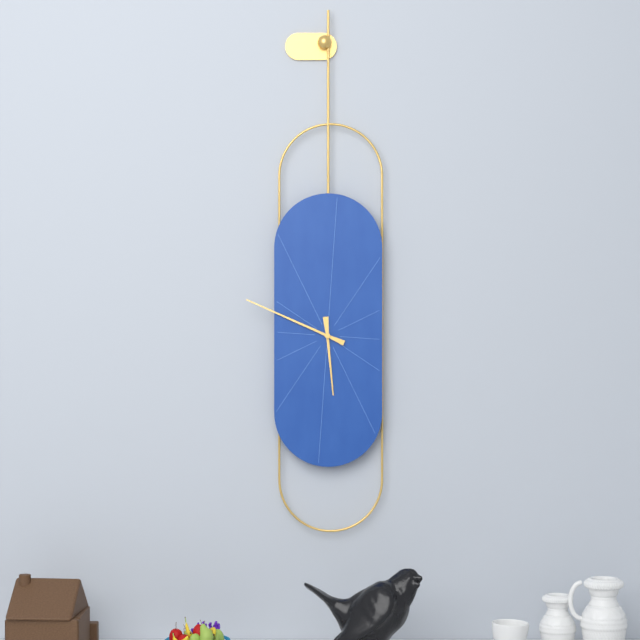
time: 5:49
